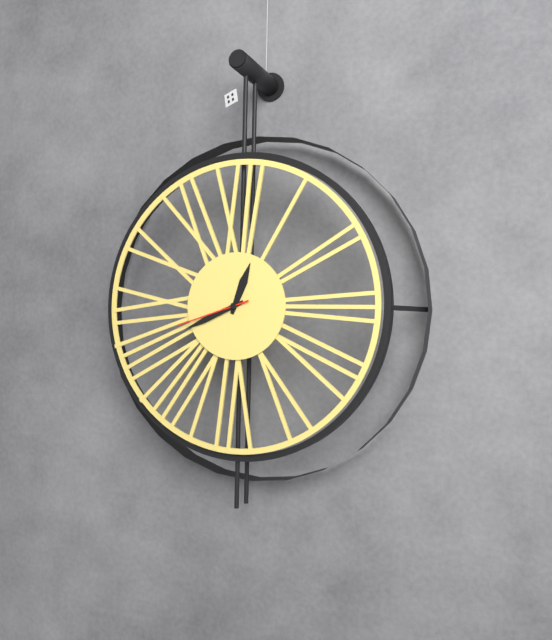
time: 12:41:42
